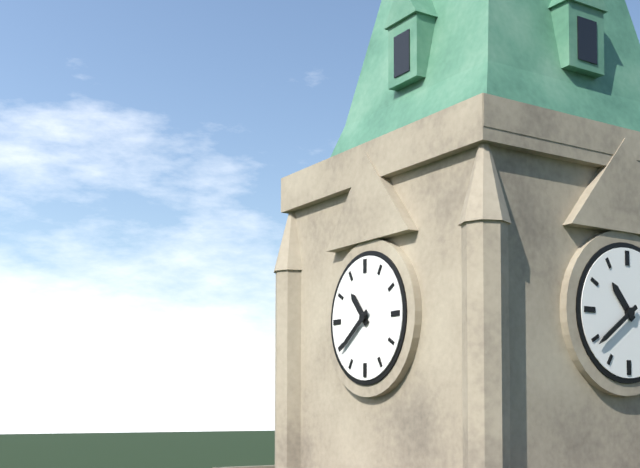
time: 10:39
